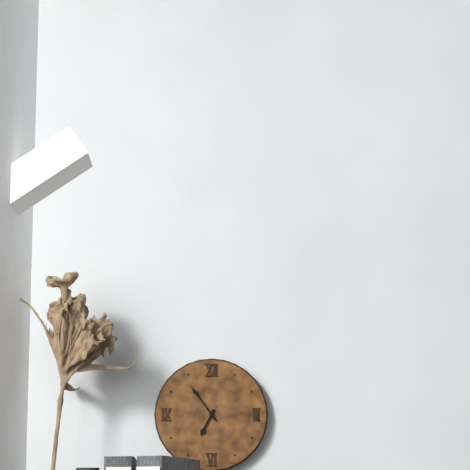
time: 6:54
